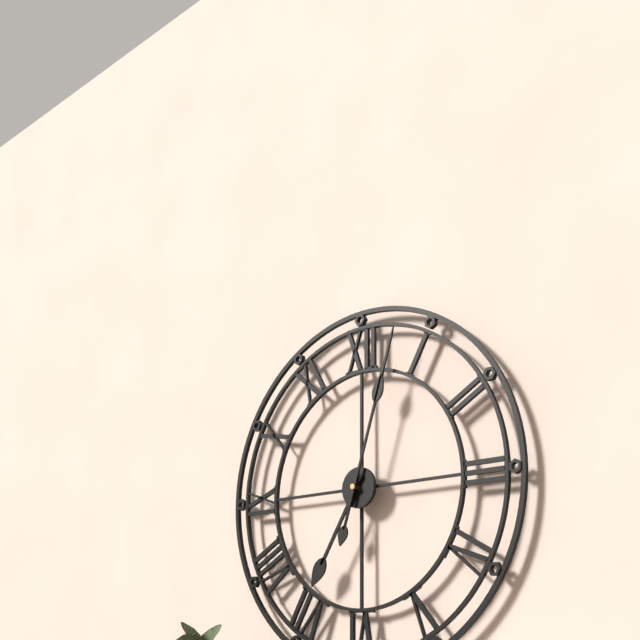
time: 7:03
